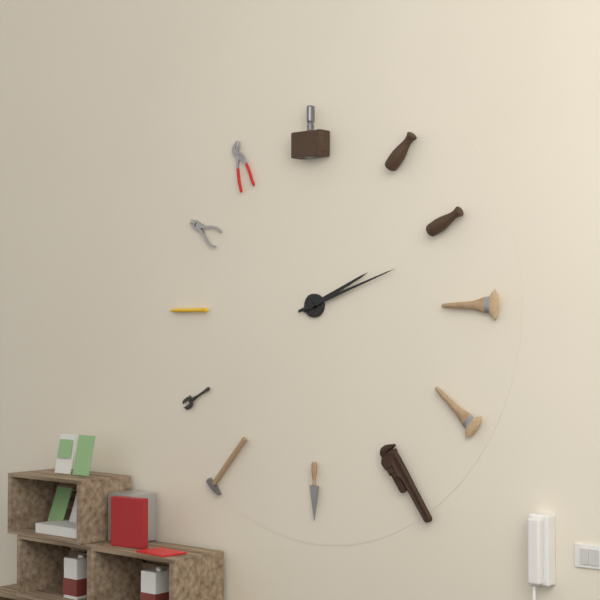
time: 2:12
